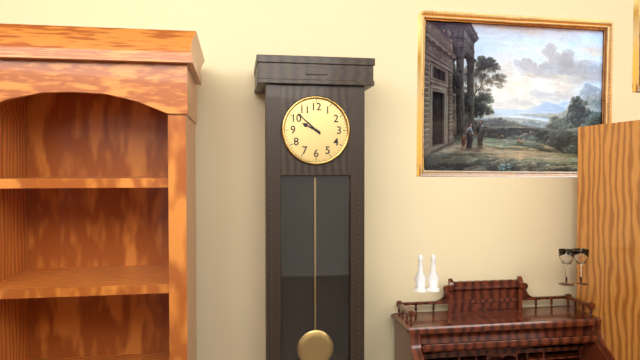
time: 9:52
